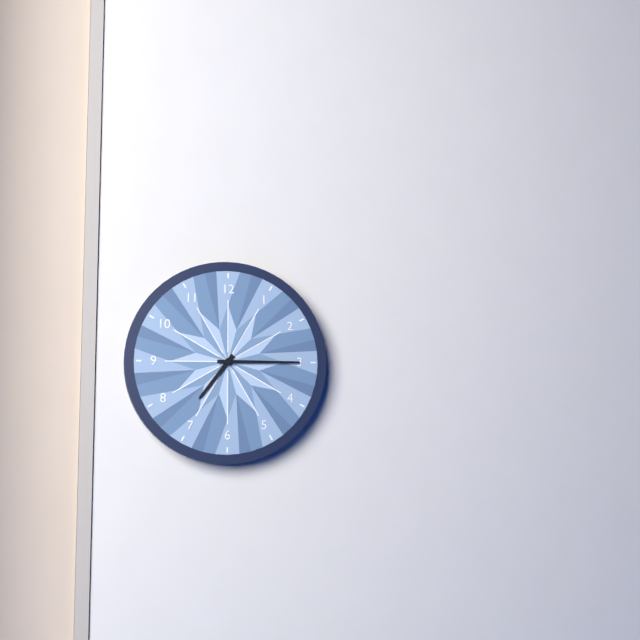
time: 7:15
